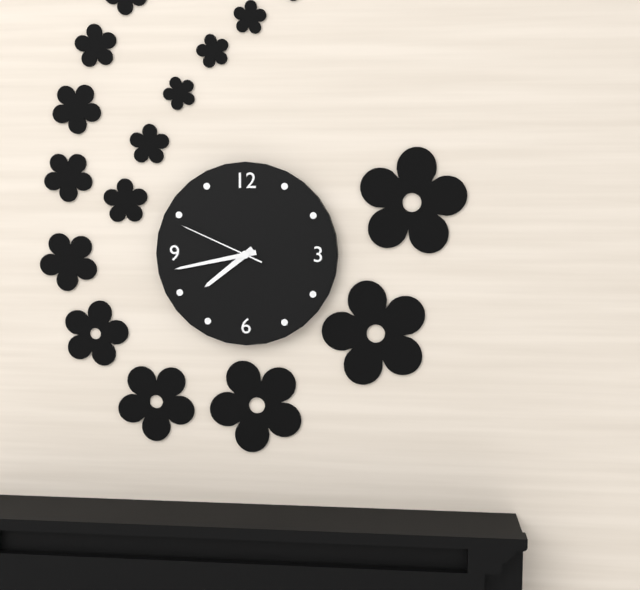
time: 7:43:49
